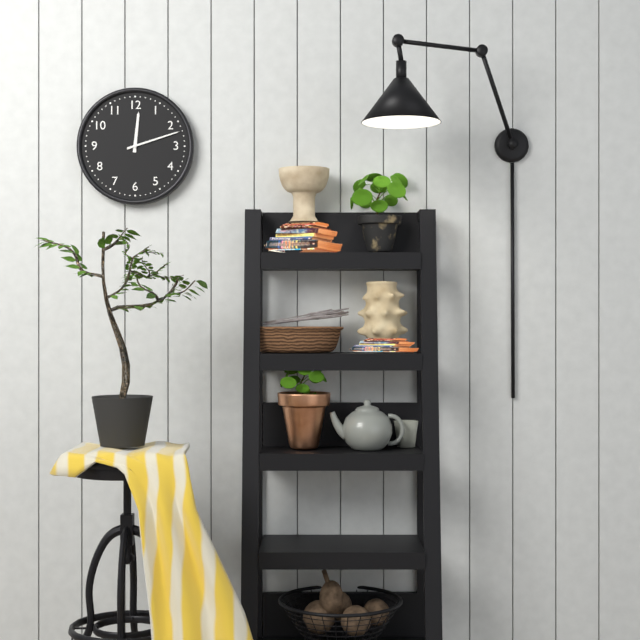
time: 12:12
